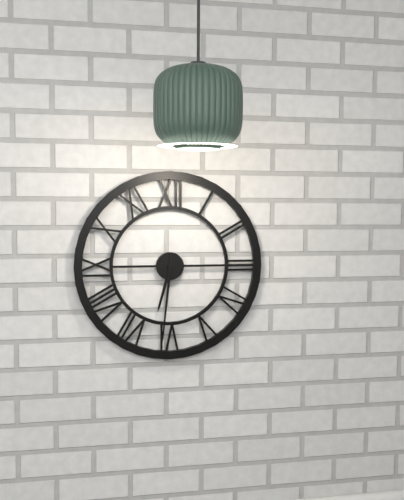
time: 6:31
